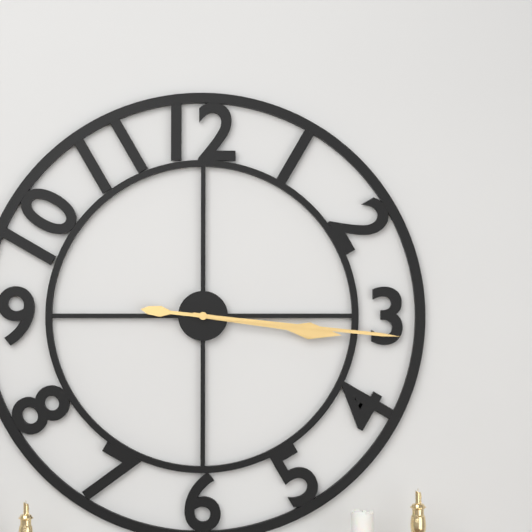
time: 3:16
